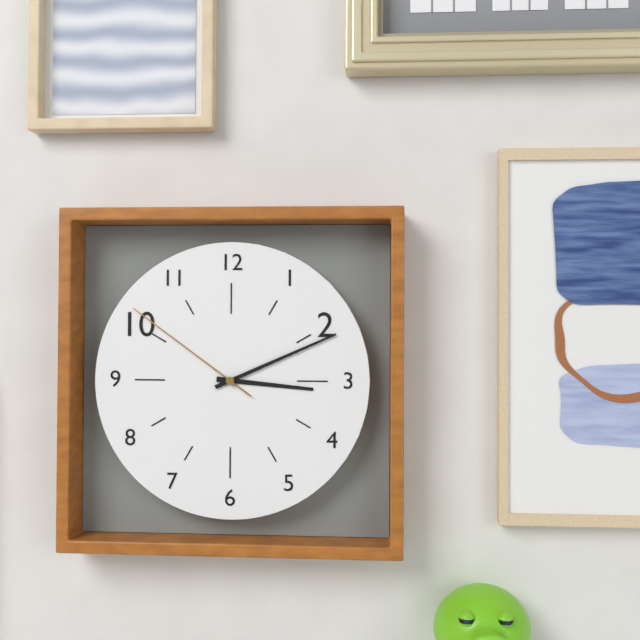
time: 3:11:51
